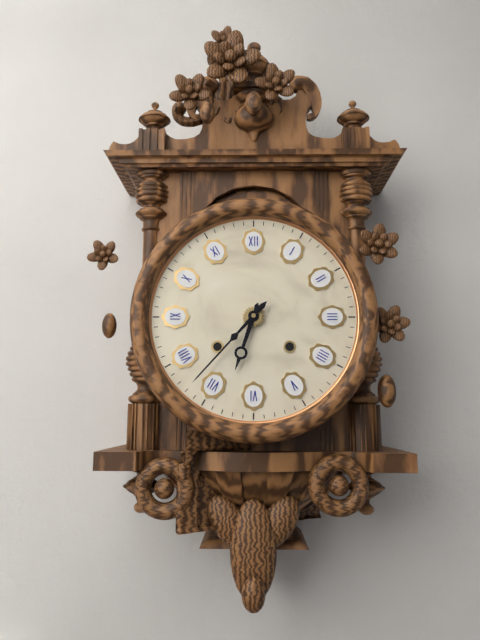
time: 6:37
